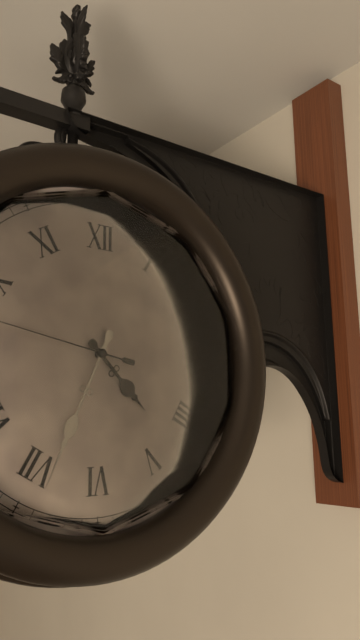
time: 4:34
